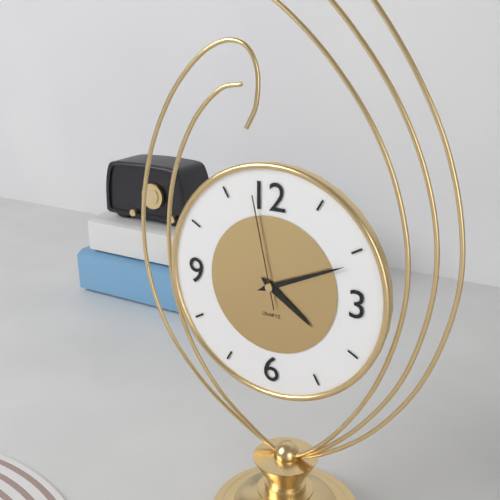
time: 4:11:58
